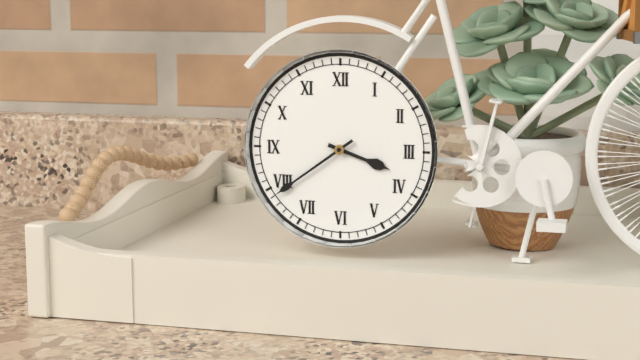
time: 3:39
